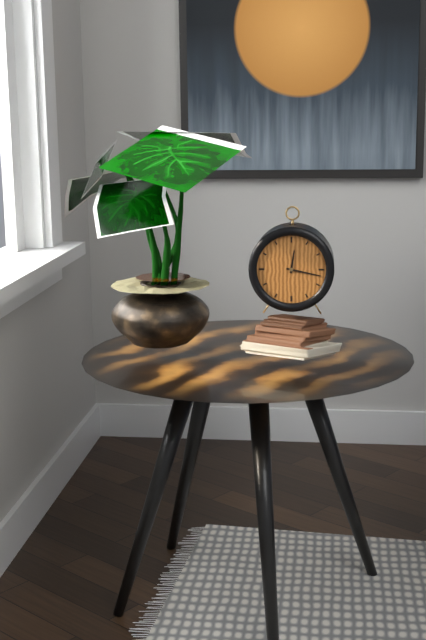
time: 12:17
